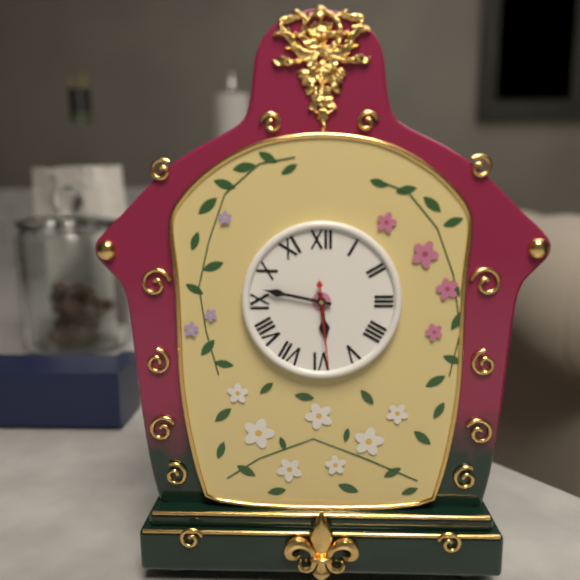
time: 5:47:29
